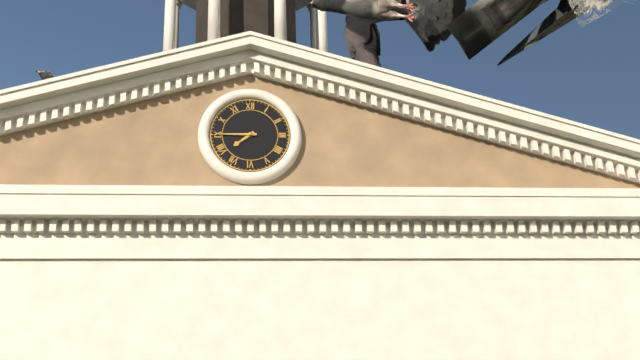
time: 7:45
